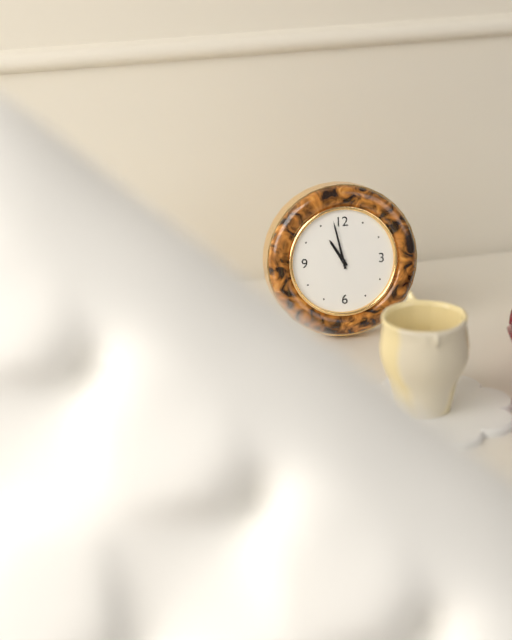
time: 10:58
